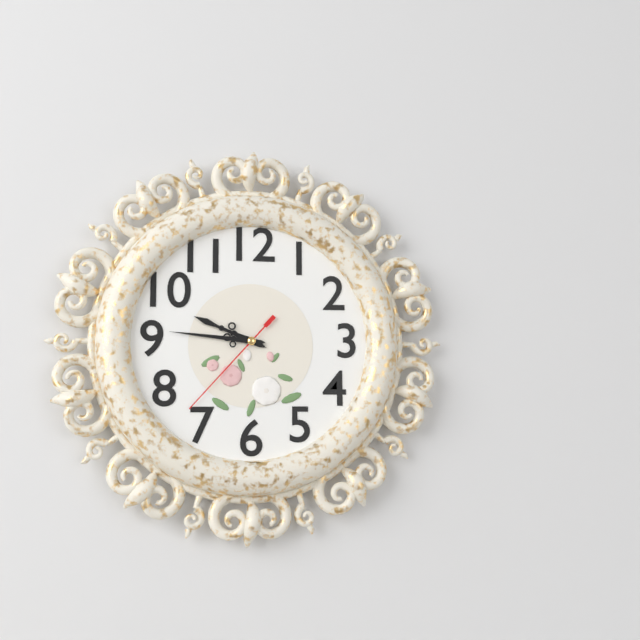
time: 9:46:37
